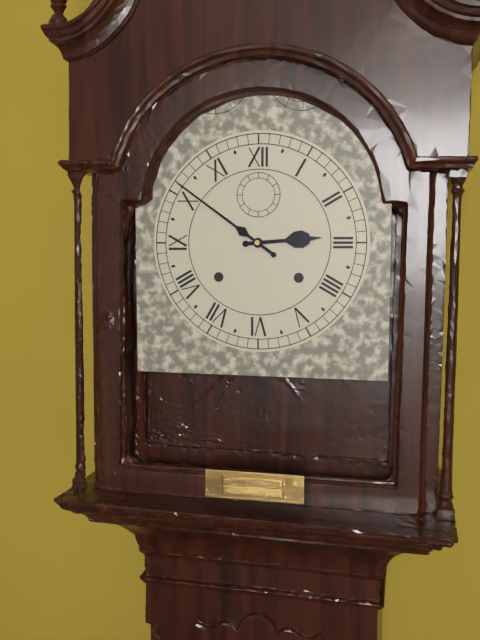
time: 2:51
